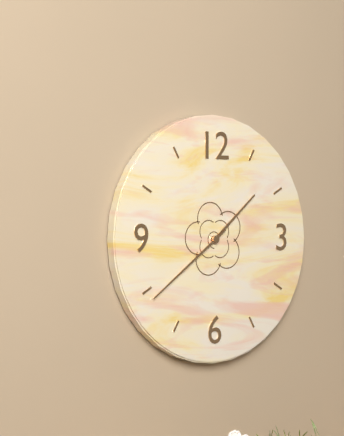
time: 1:39
